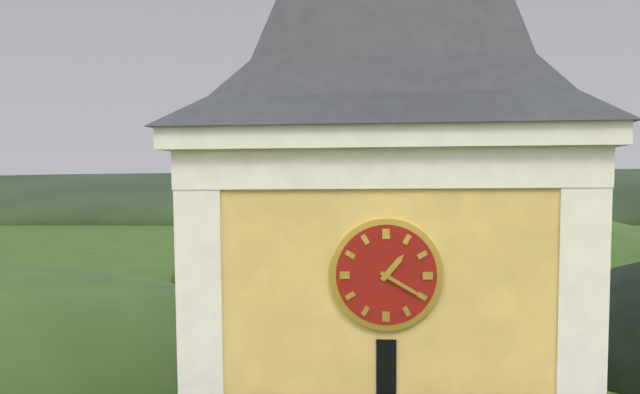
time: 1:20
